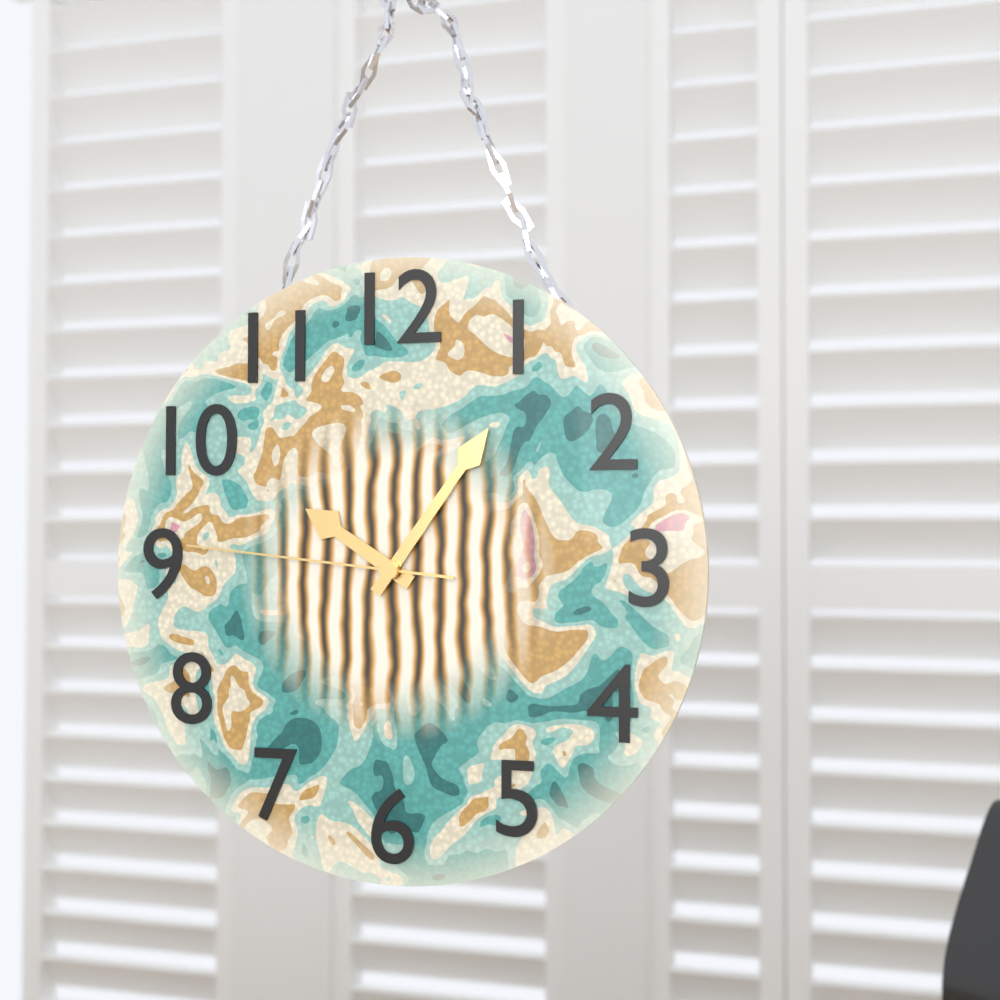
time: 10:06:46
